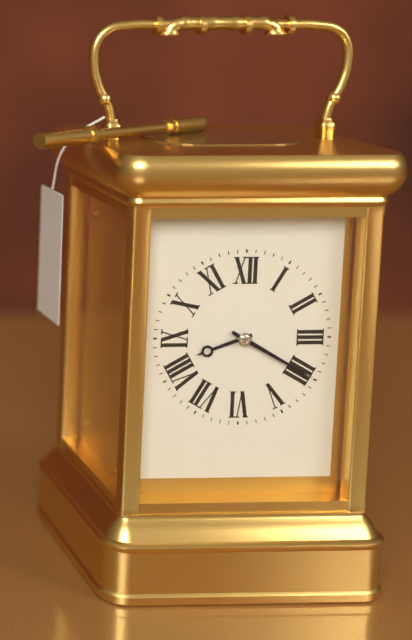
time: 8:20
